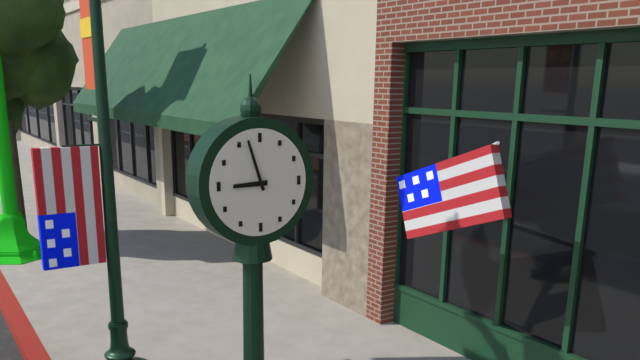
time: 8:57
